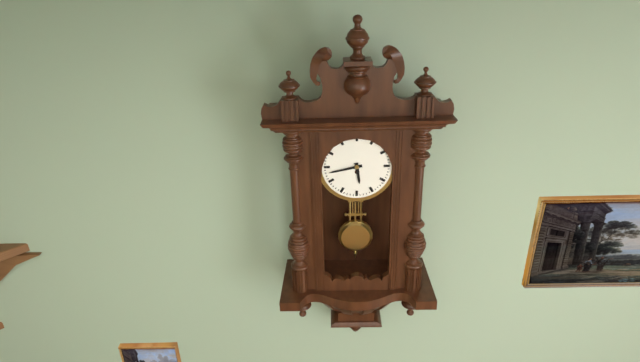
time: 5:43
